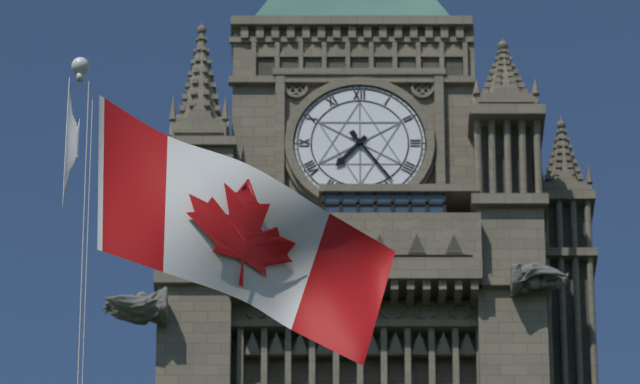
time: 7:24
